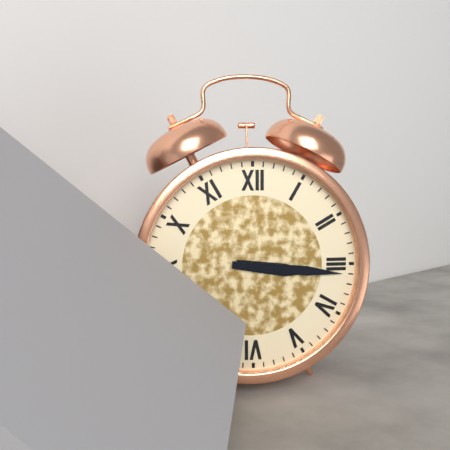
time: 3:16
